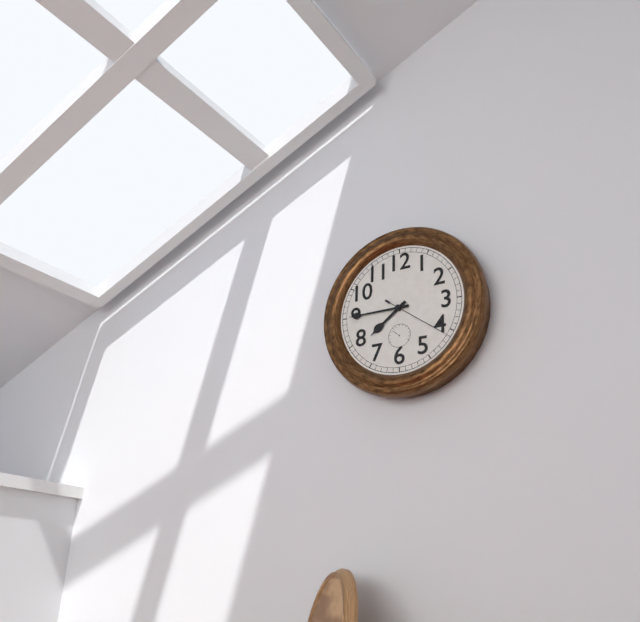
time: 7:45:21
